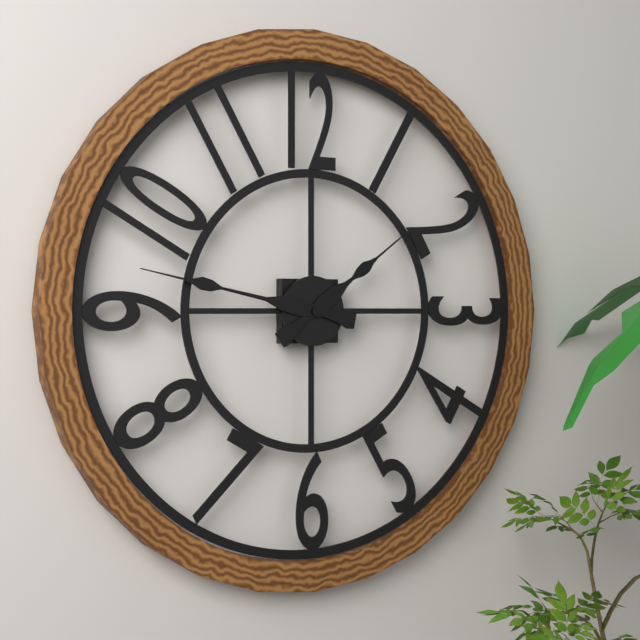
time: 1:47
